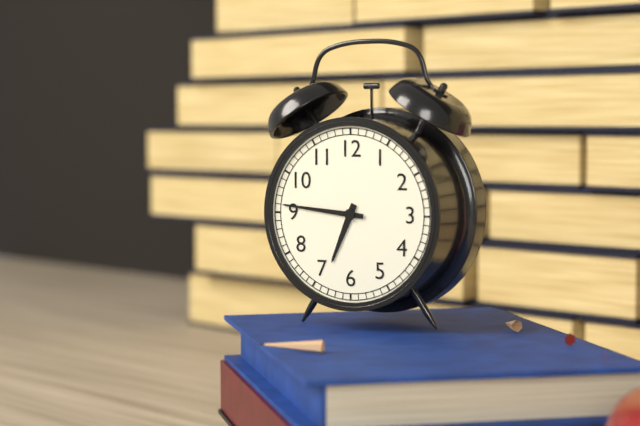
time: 6:46
